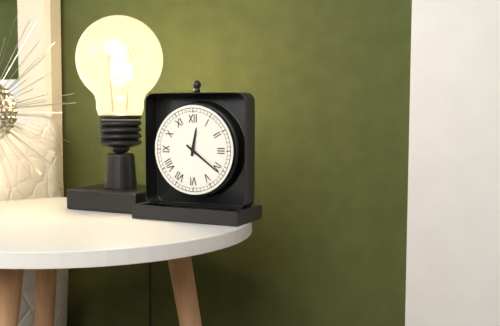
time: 12:21
